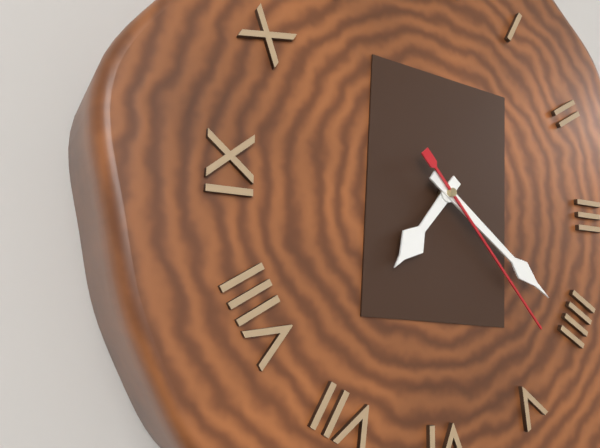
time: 7:21:23
